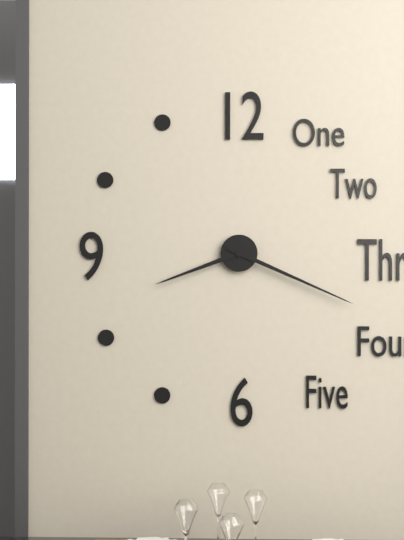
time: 8:19
